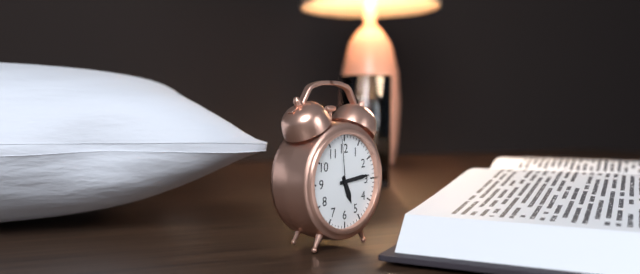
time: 5:14:59
